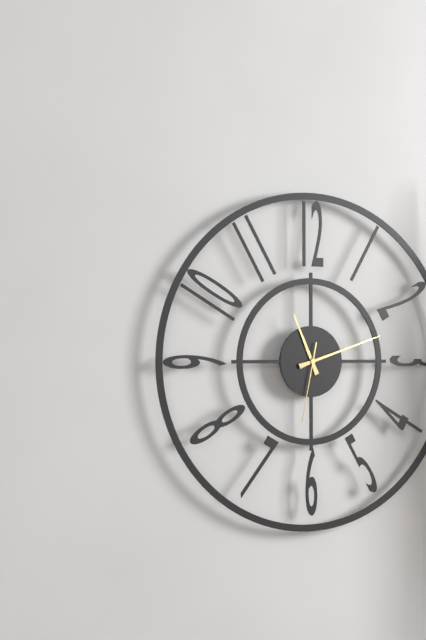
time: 11:12:32
